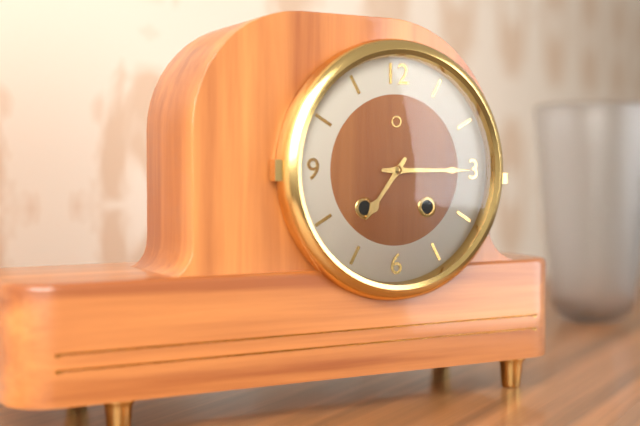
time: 7:15
